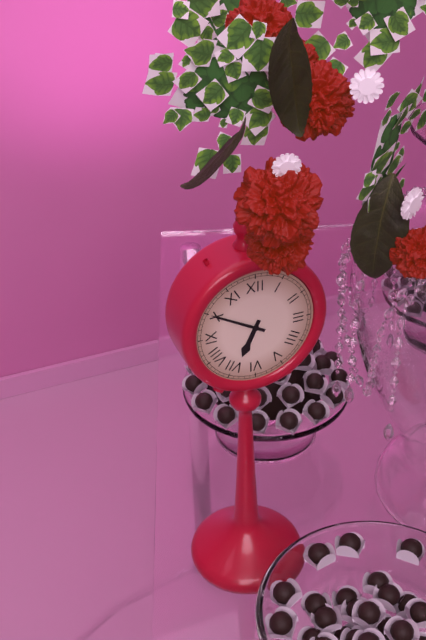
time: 6:50
